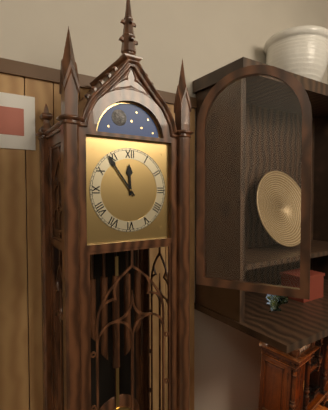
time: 11:54
